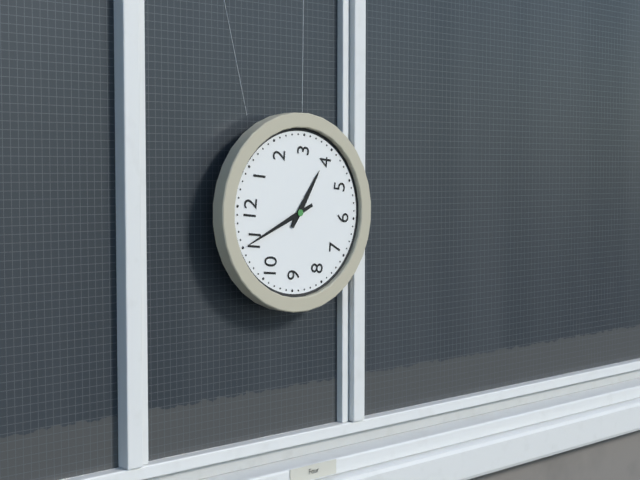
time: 3:55
